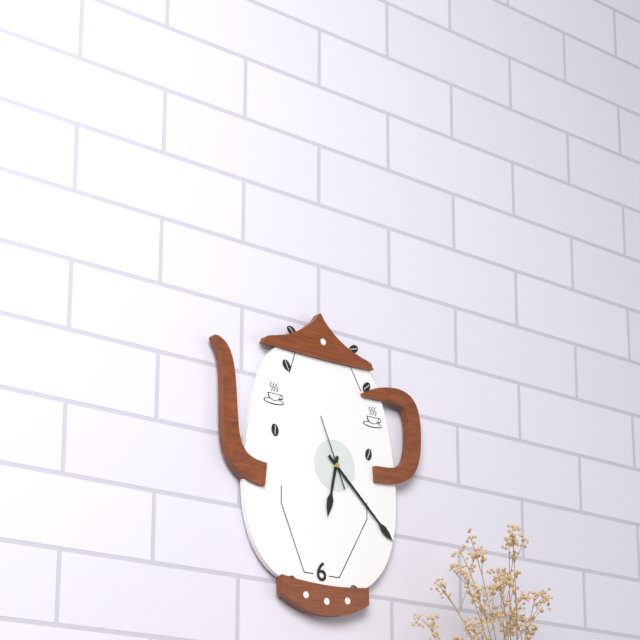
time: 6:22:56
